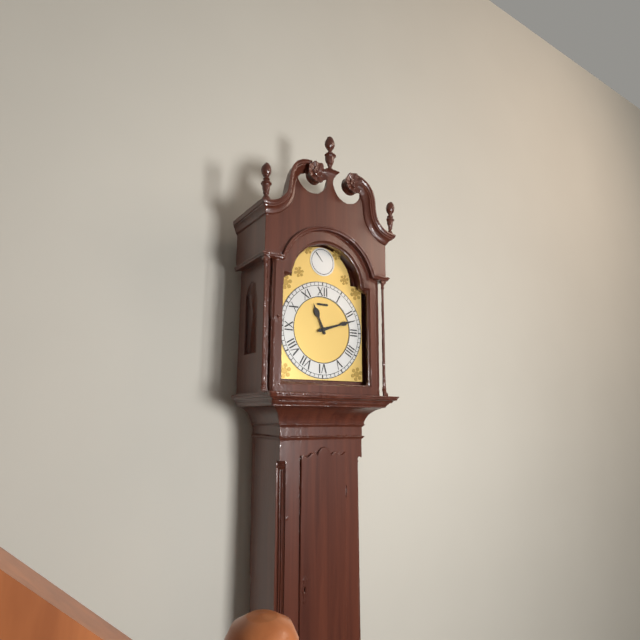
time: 11:12
